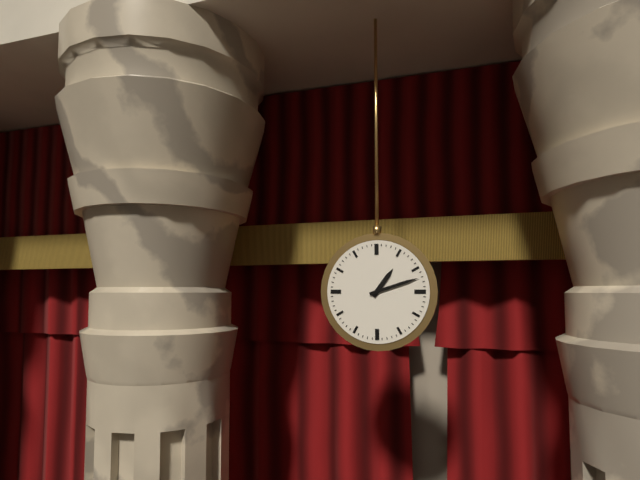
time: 1:12
